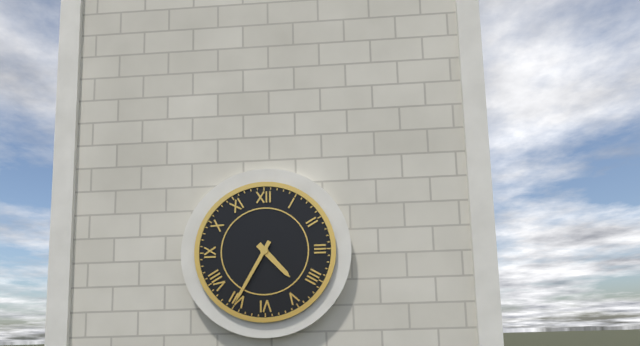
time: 4:35
